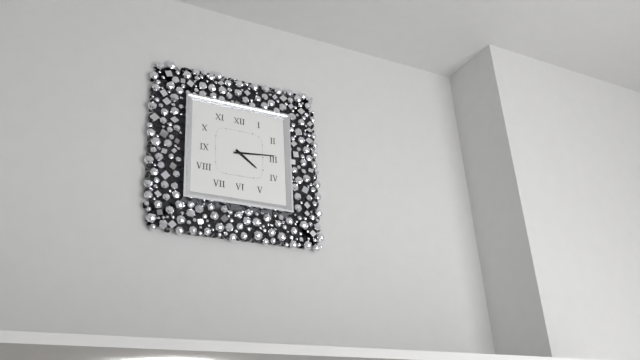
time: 4:14
